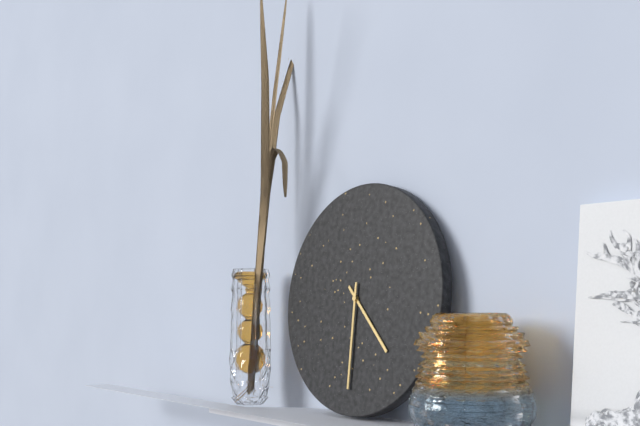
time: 4:30
